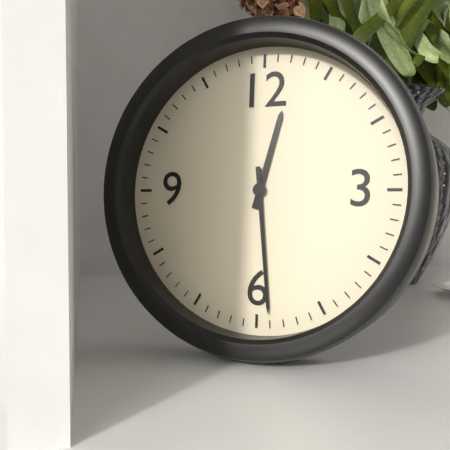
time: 12:29
